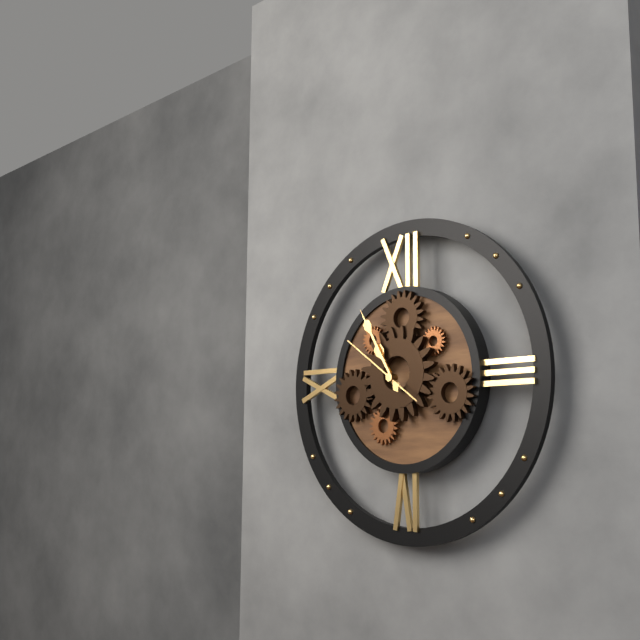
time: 10:55:51
